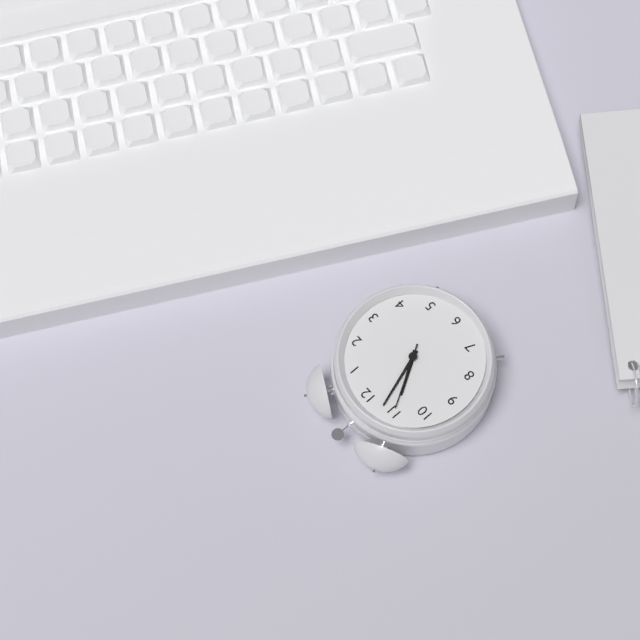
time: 10:57
